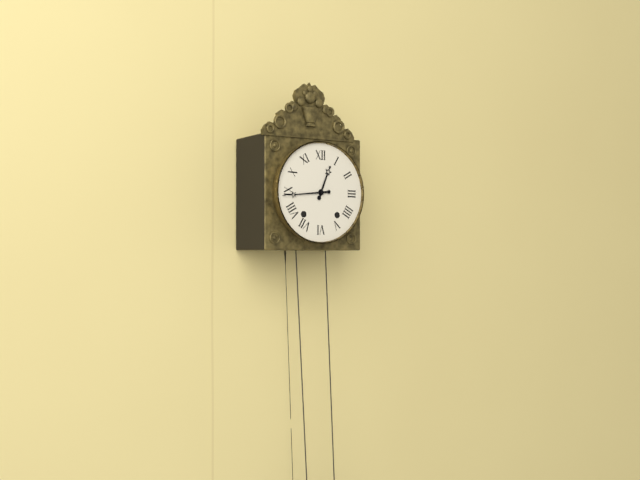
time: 12:44
